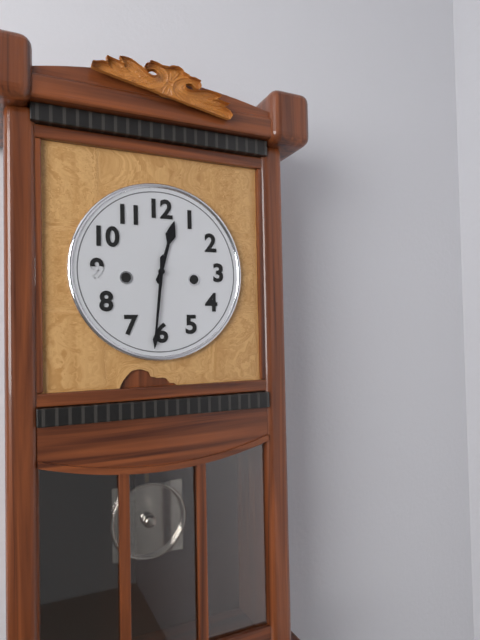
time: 12:31
